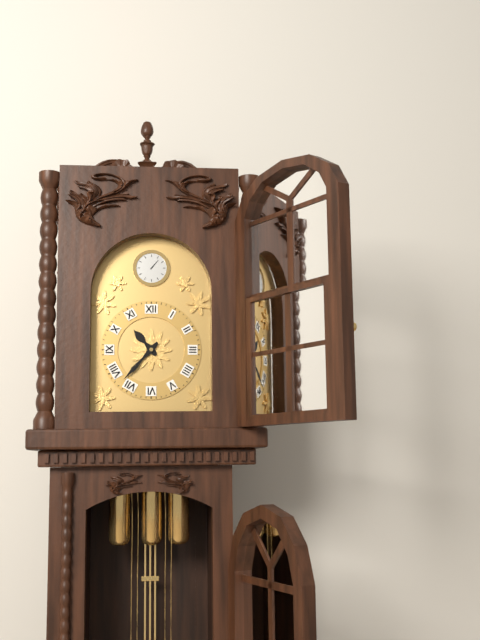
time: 10:37
